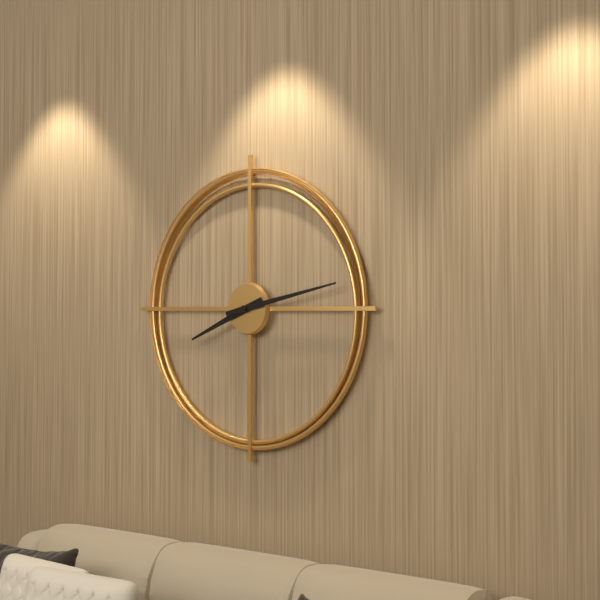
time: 8:13
